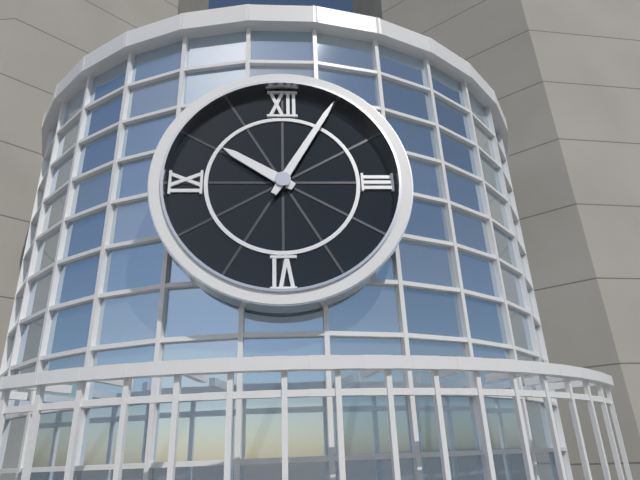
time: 10:05
